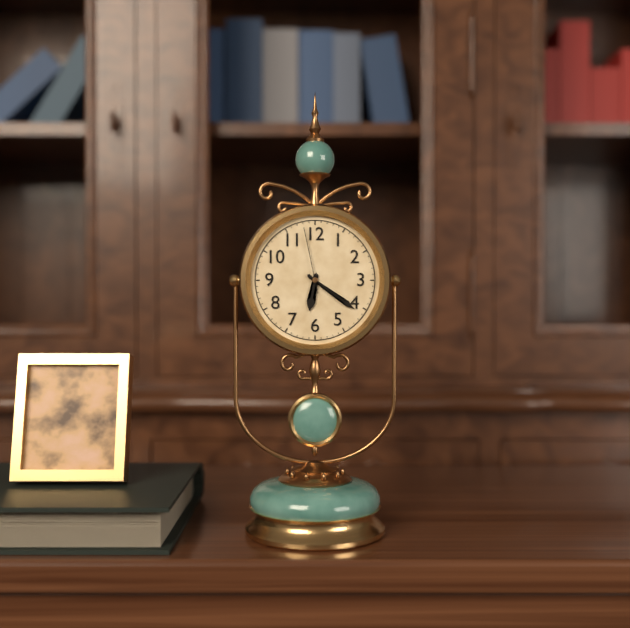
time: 6:21:58
